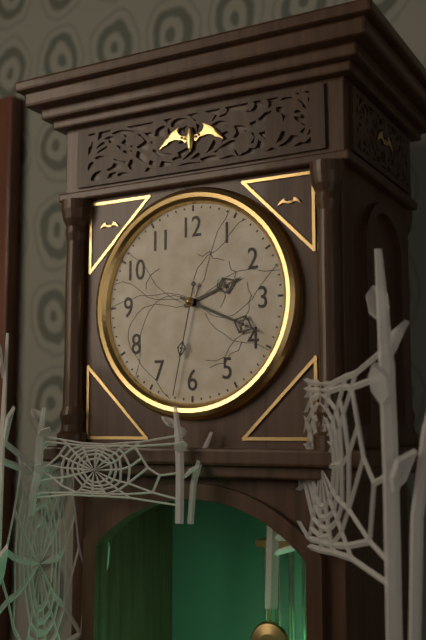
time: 2:19:32
